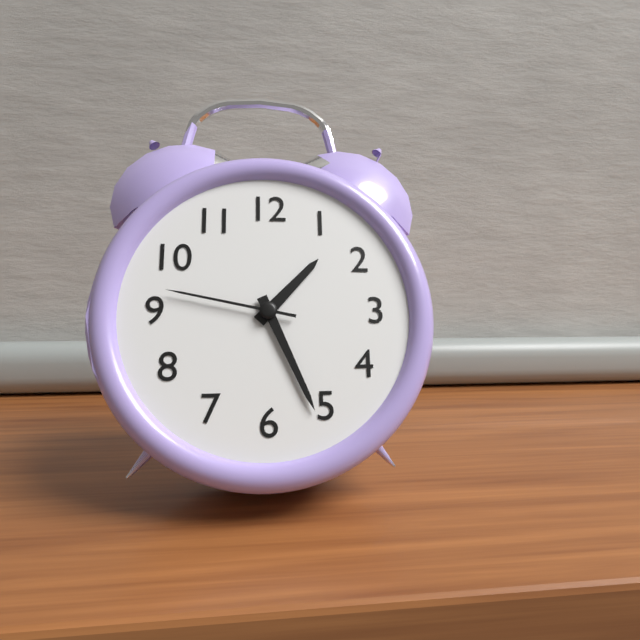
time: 1:26:47
